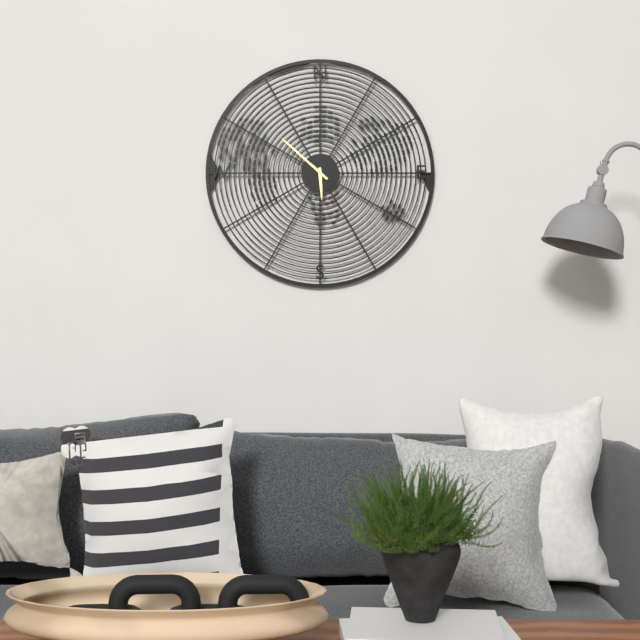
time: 5:52
